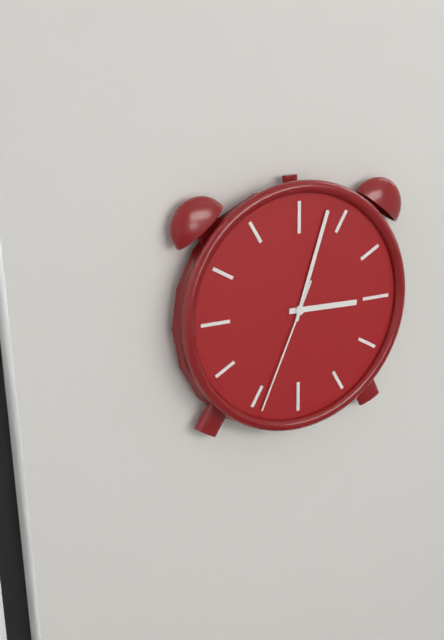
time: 3:03:34
